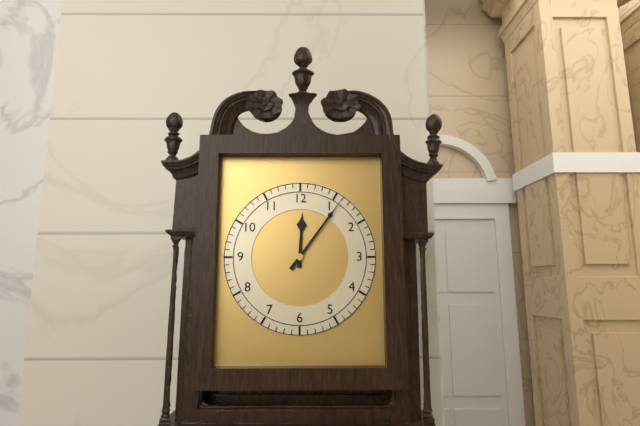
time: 12:06
